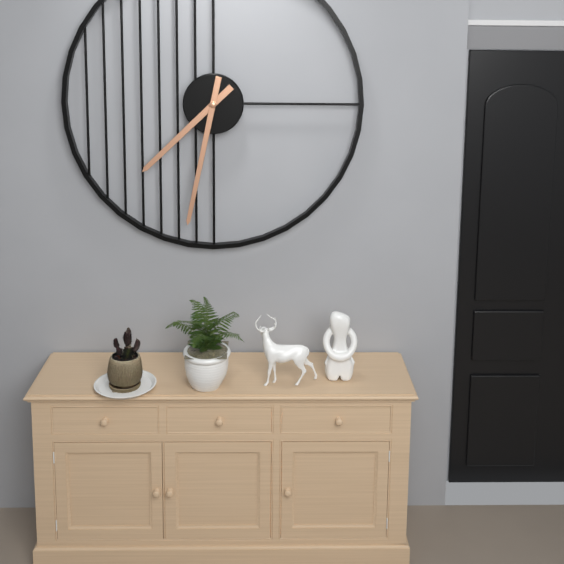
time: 7:32
